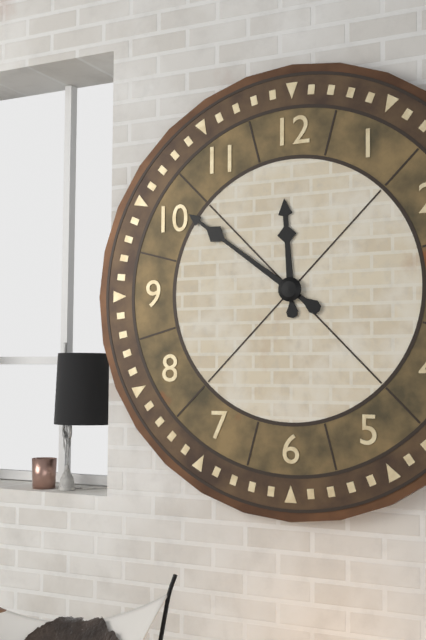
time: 11:51
